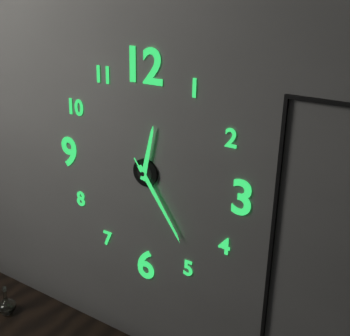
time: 12:24:24
